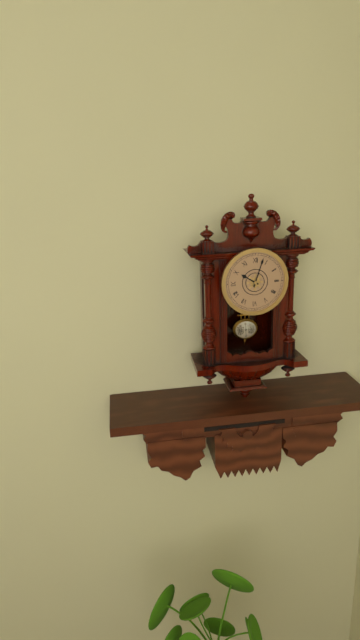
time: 10:03
